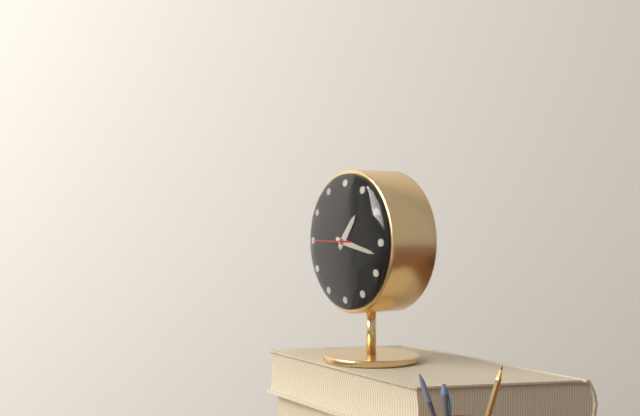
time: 1:17
